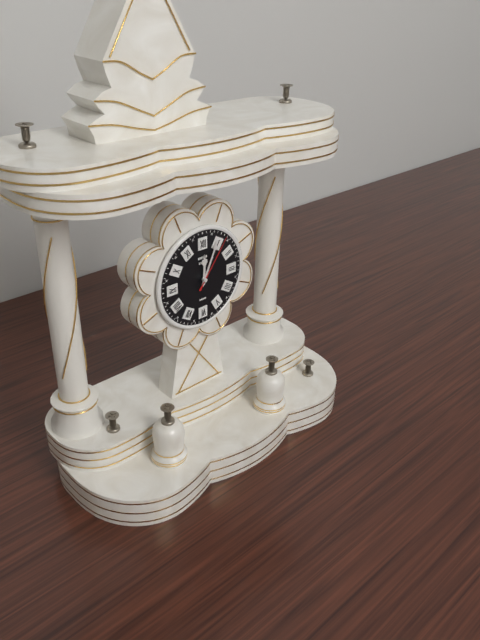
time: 12:04:06
